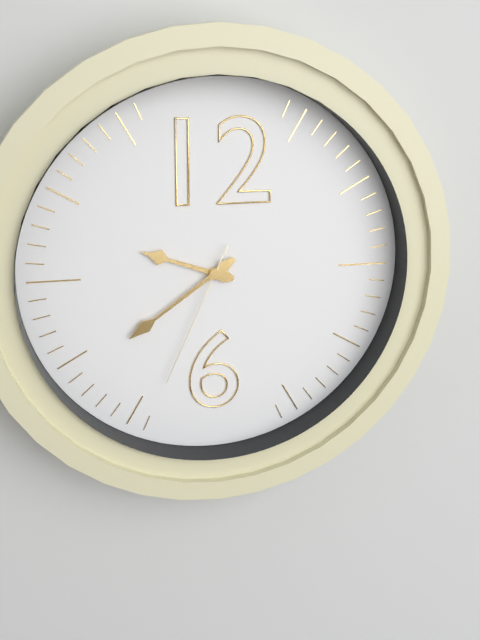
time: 9:39:34
